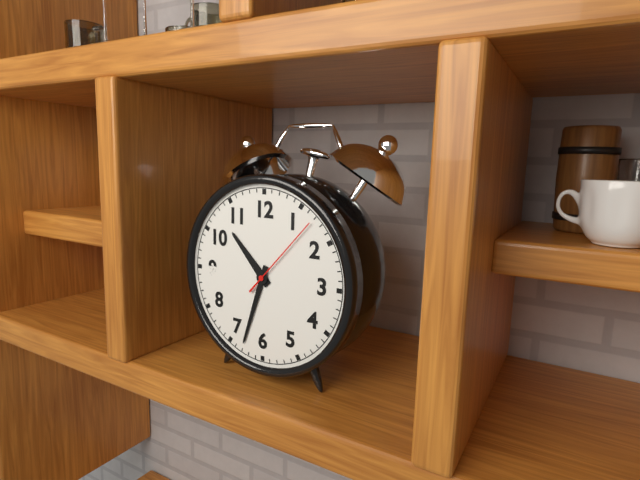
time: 10:33:07
